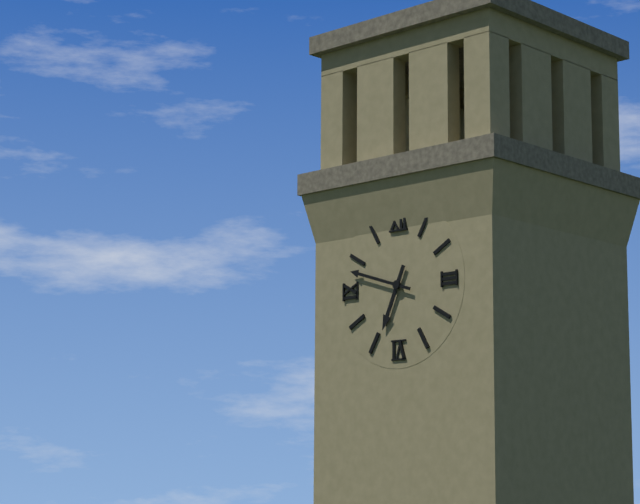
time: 6:48
